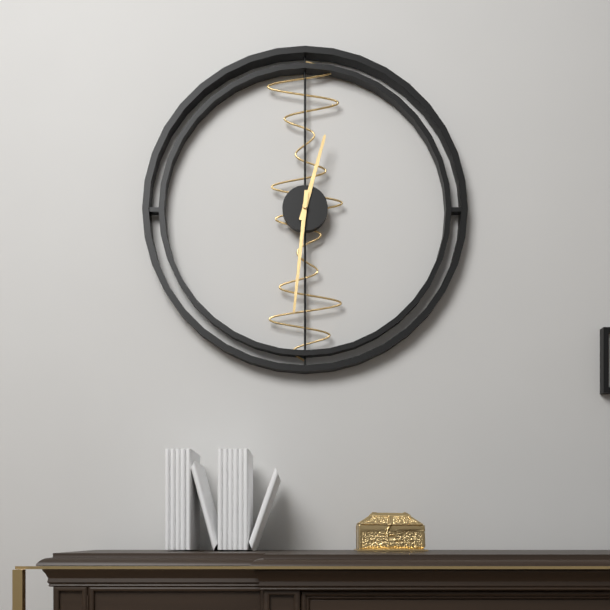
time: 12:31
